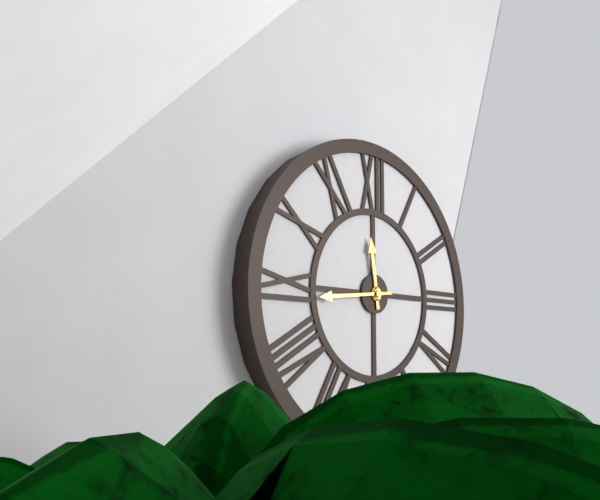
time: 11:44
